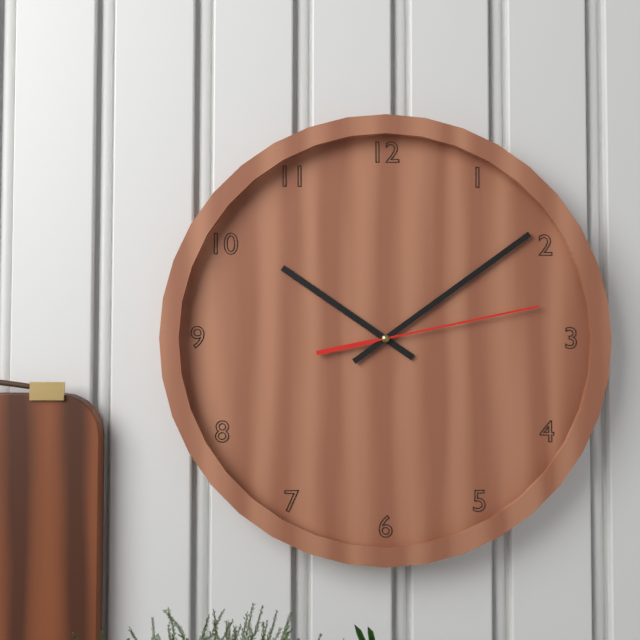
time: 10:09:13
